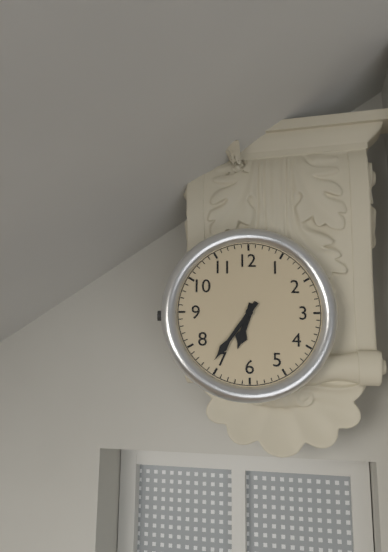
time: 6:36
